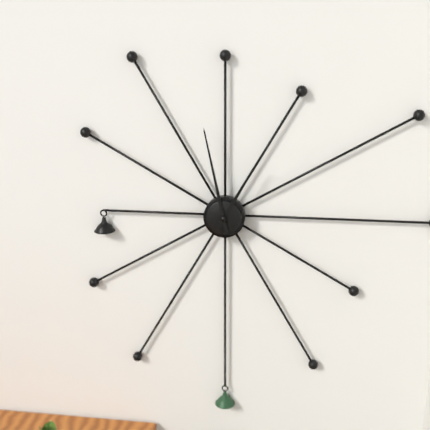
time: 12:58
